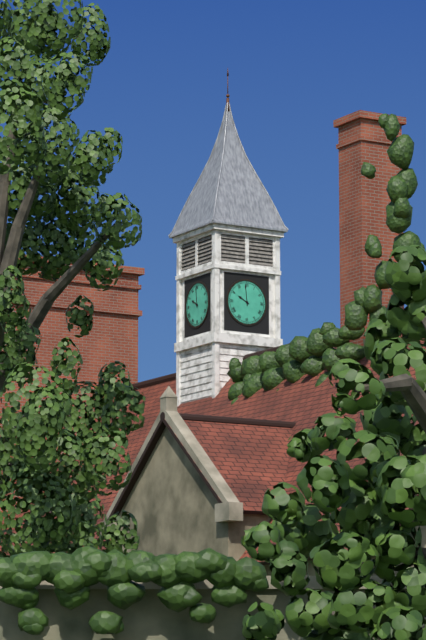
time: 9:59
